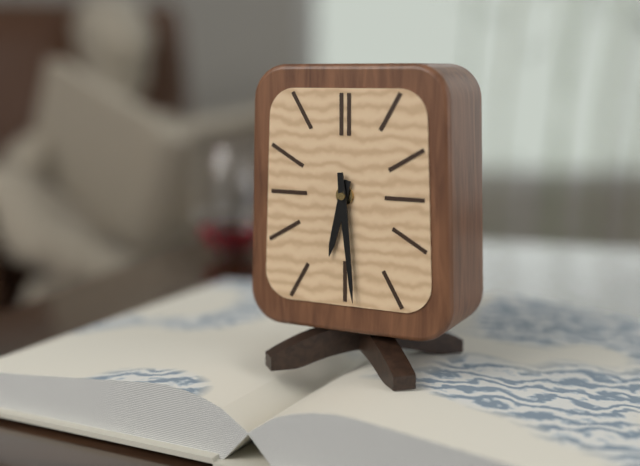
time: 6:29
